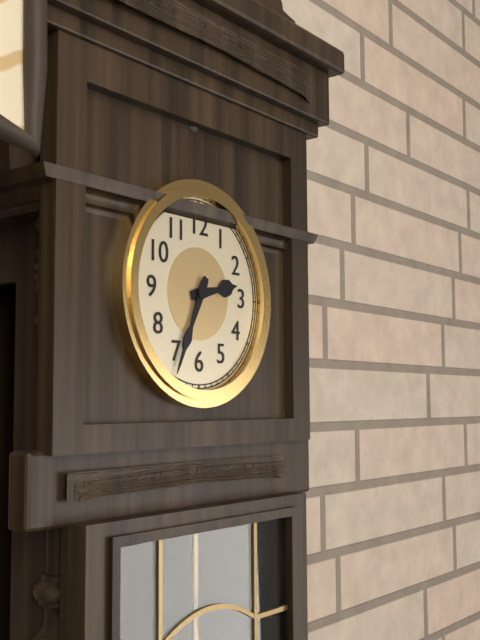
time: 2:34
